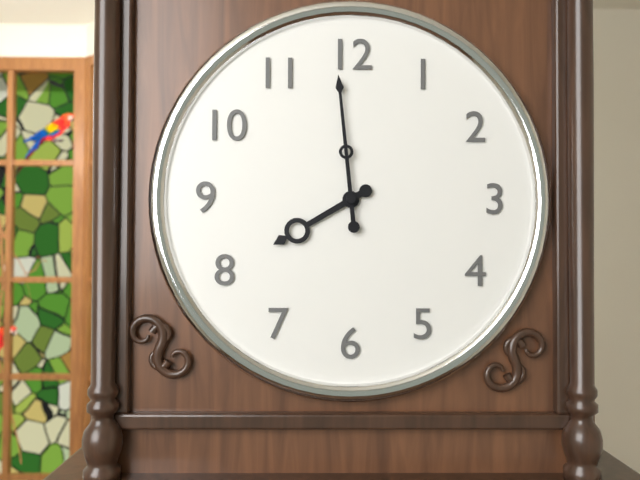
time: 7:59
